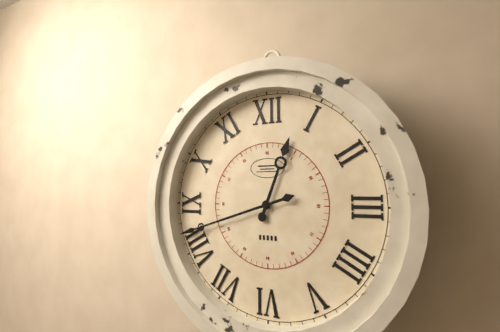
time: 12:42
